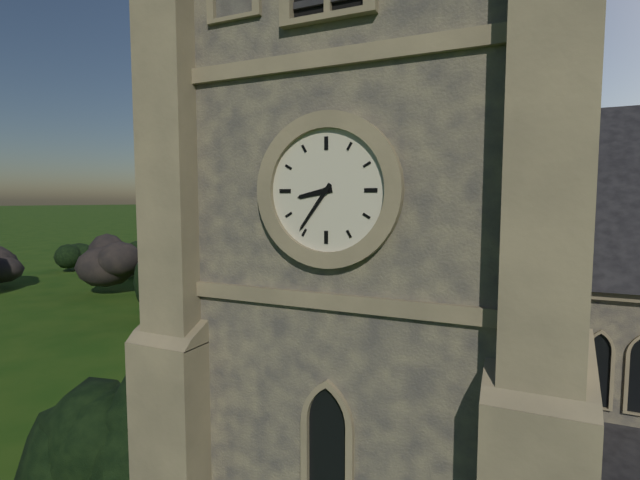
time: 8:36
